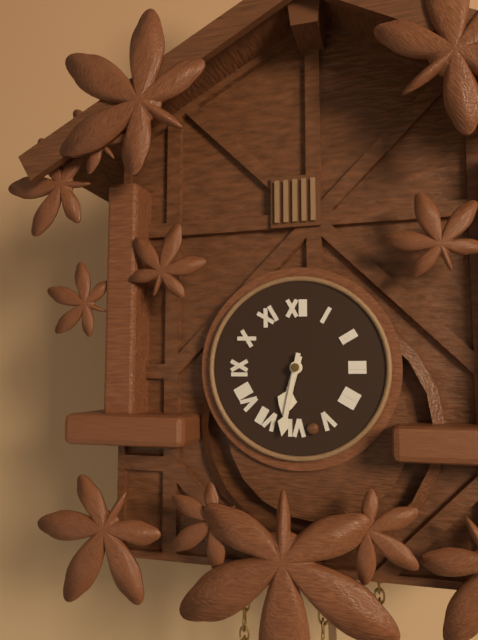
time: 6:32
